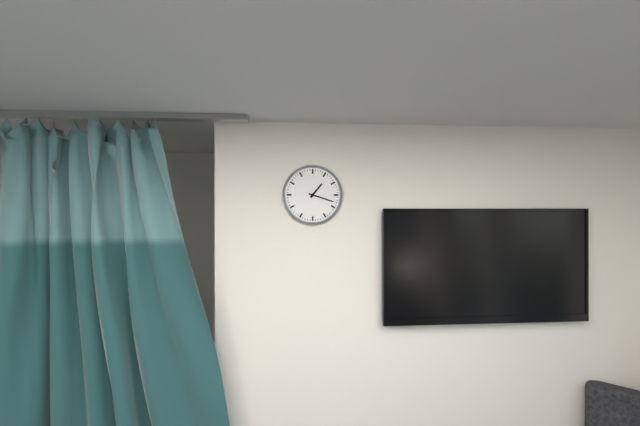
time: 1:18
